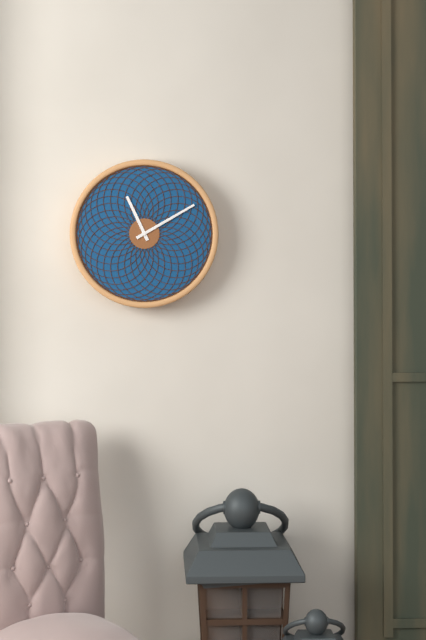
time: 11:10
